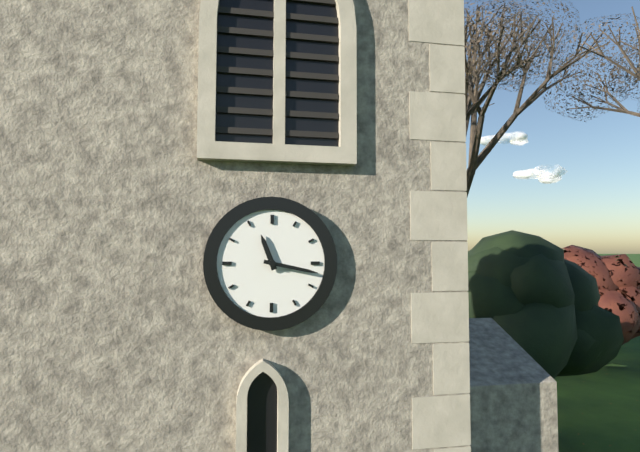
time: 11:17
